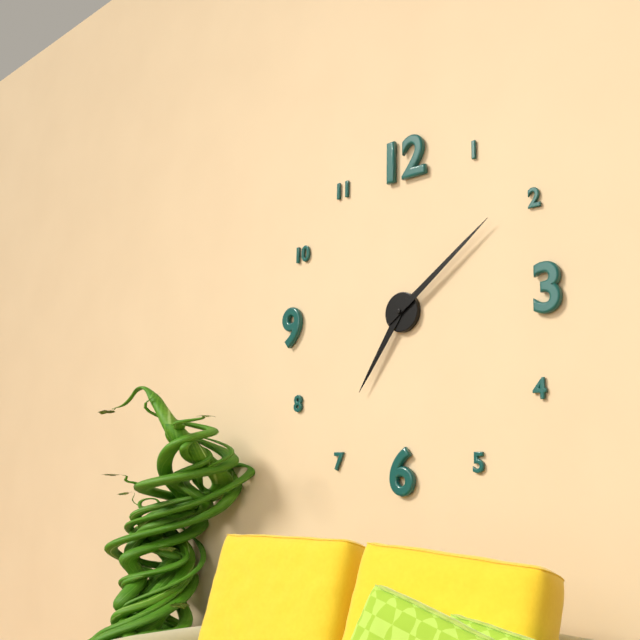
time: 7:09
